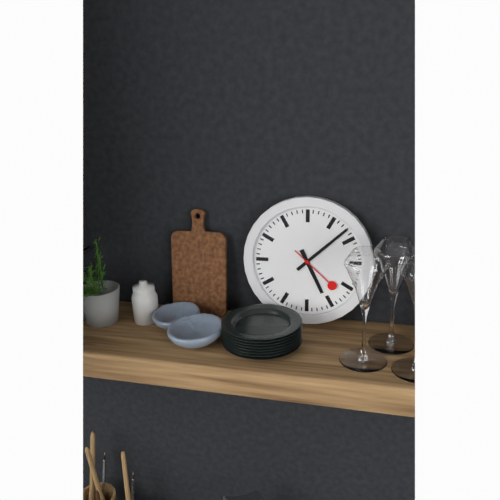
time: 5:08:22
